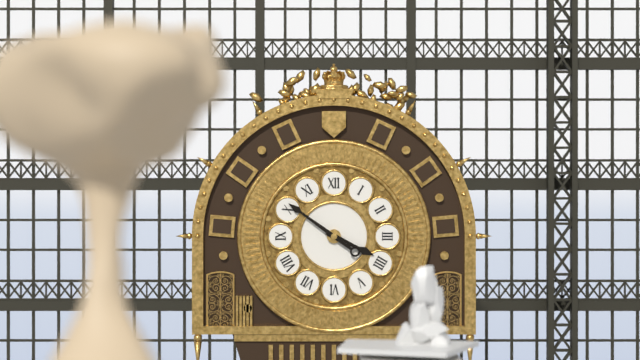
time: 3:51
